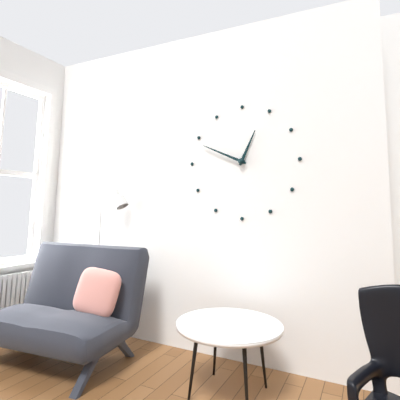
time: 12:49
